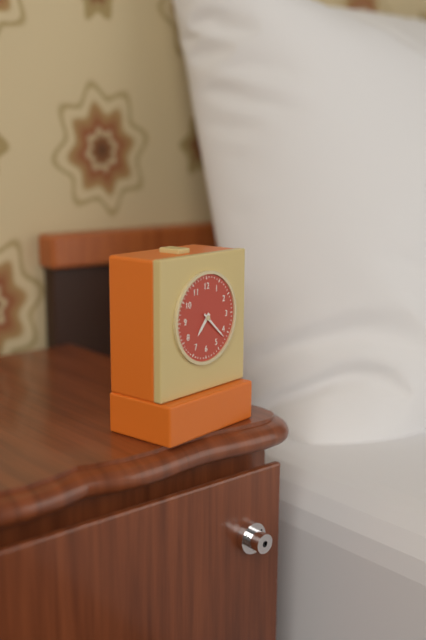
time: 7:22
